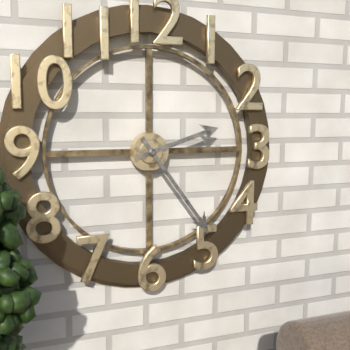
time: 2:24
